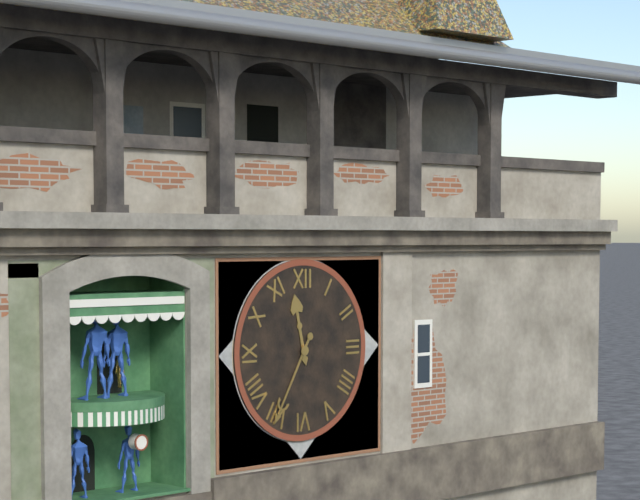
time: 11:35
